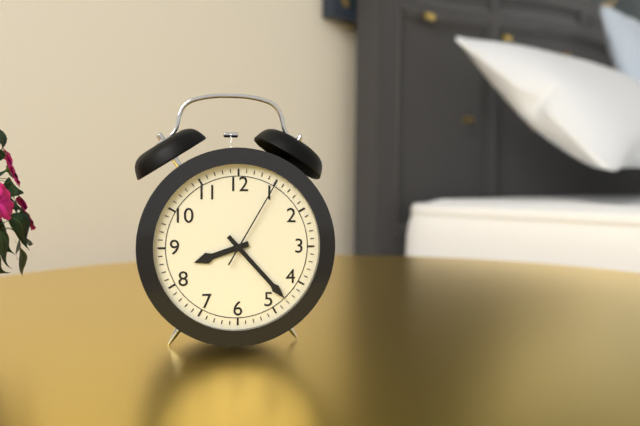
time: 8:23:05
